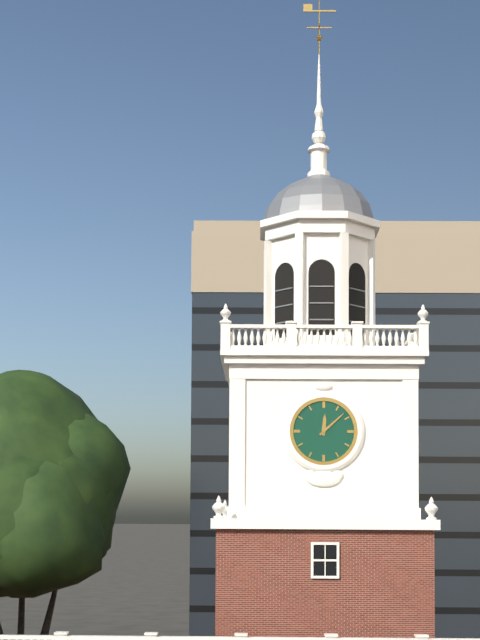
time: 12:08
